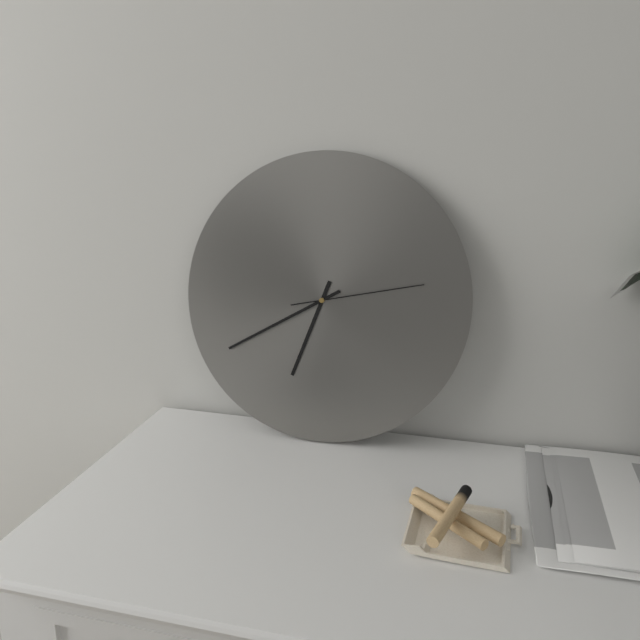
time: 6:40:13
